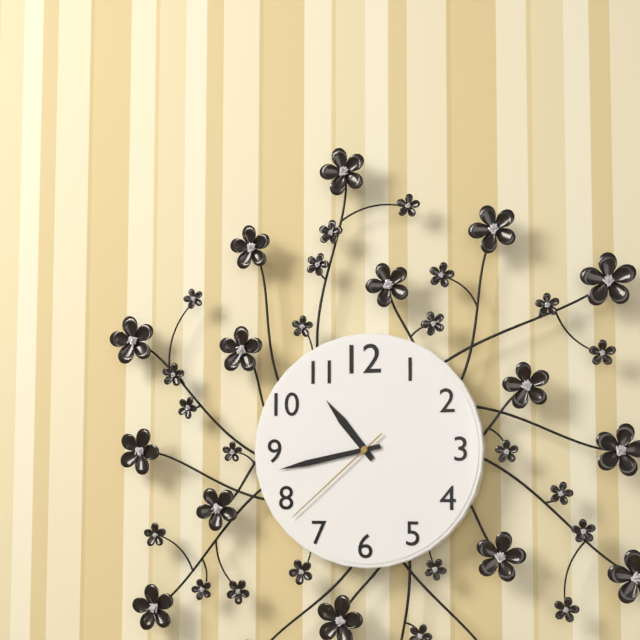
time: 10:43:38
